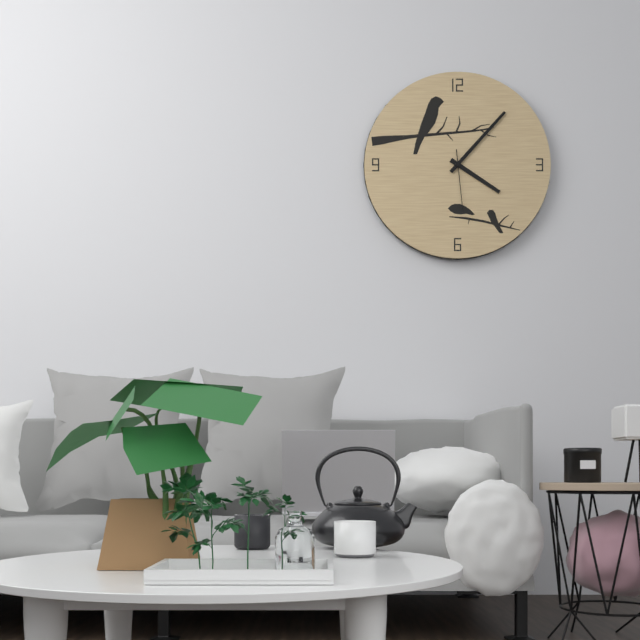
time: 4:07:29
